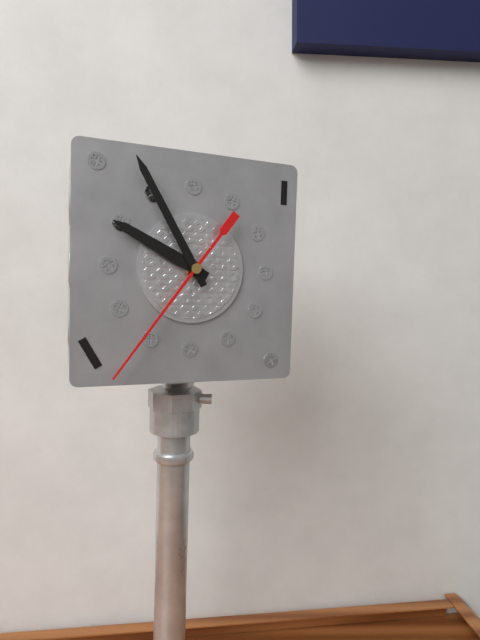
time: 9:55:36
